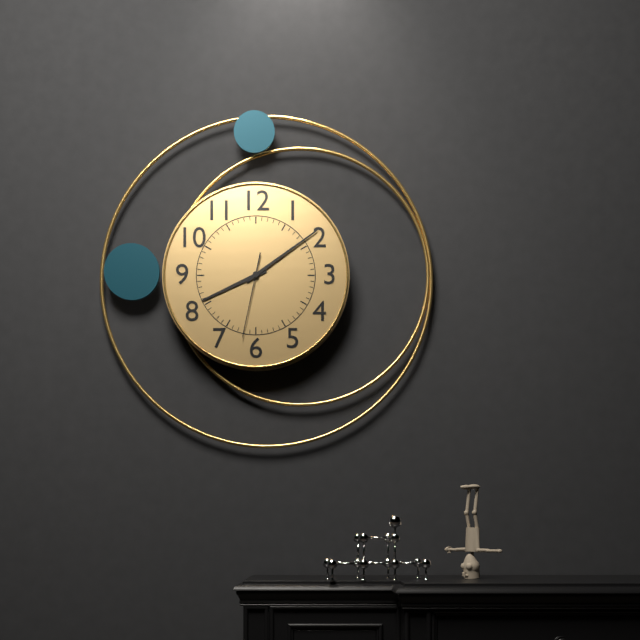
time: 8:09:32
